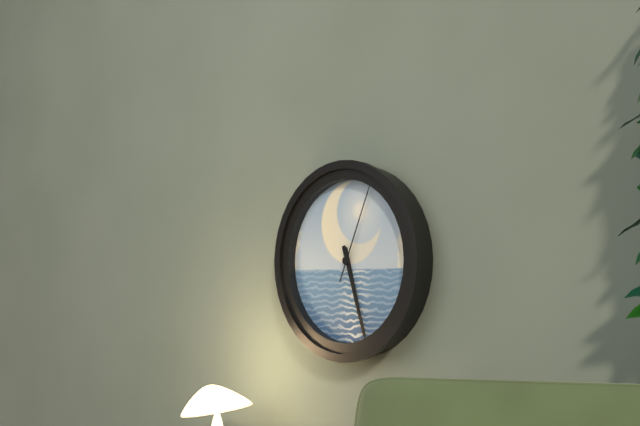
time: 5:27:04
